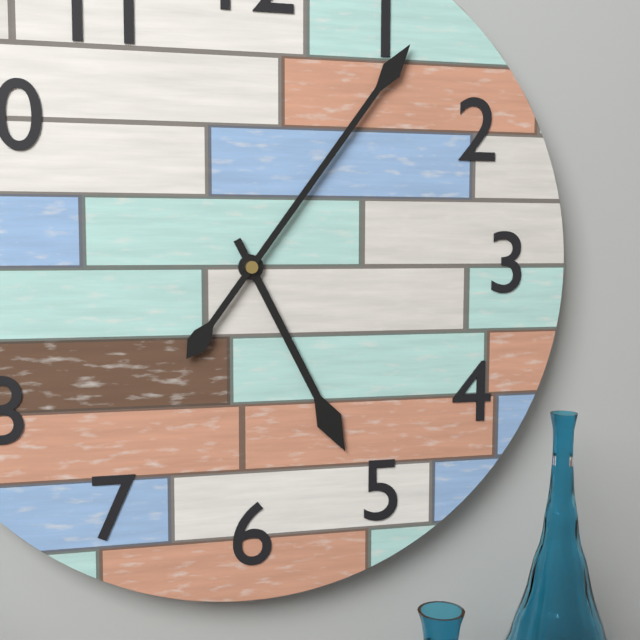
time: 5:06
